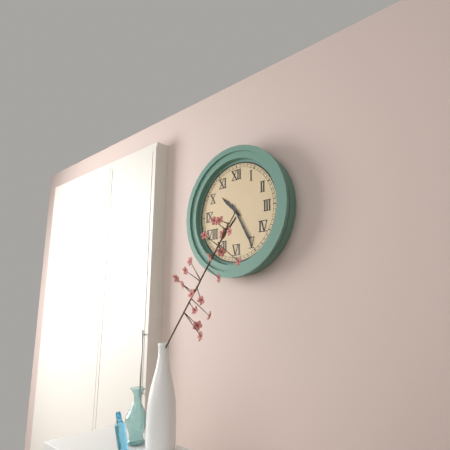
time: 10:25
